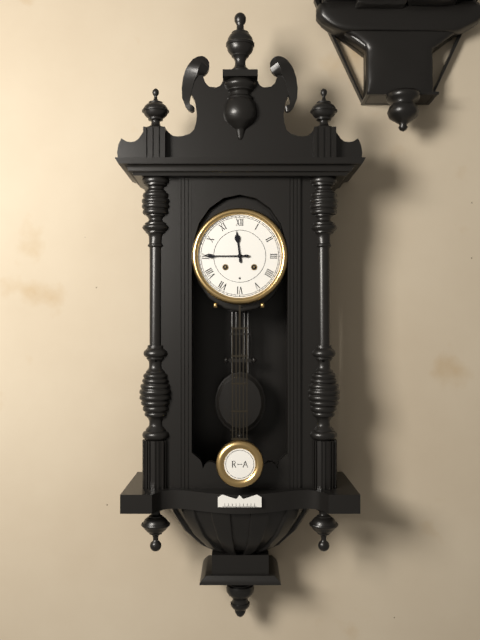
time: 11:45
